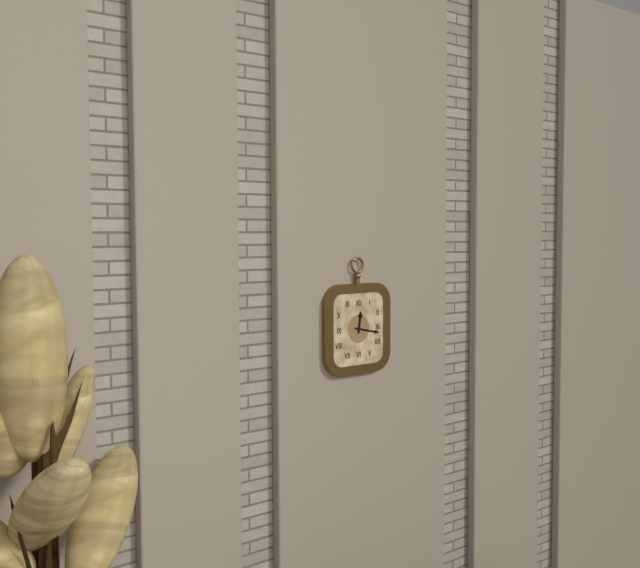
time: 12:17
